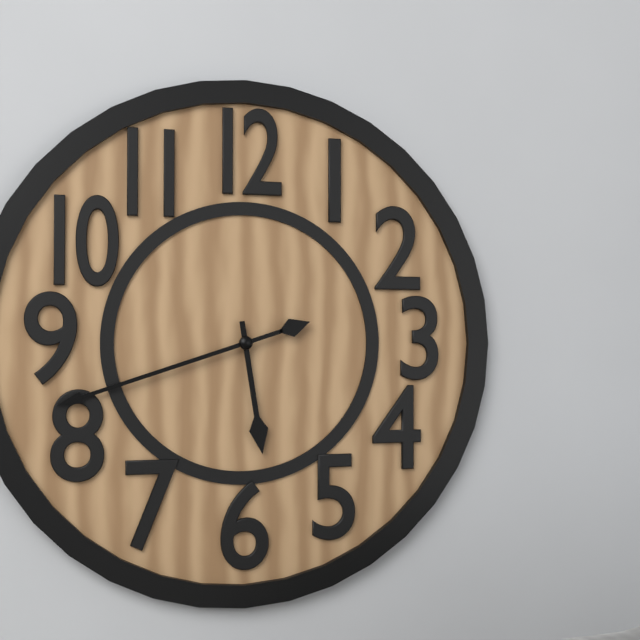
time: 5:42
